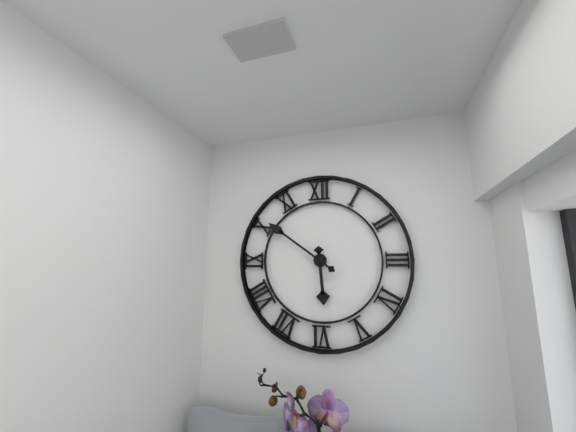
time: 5:51
